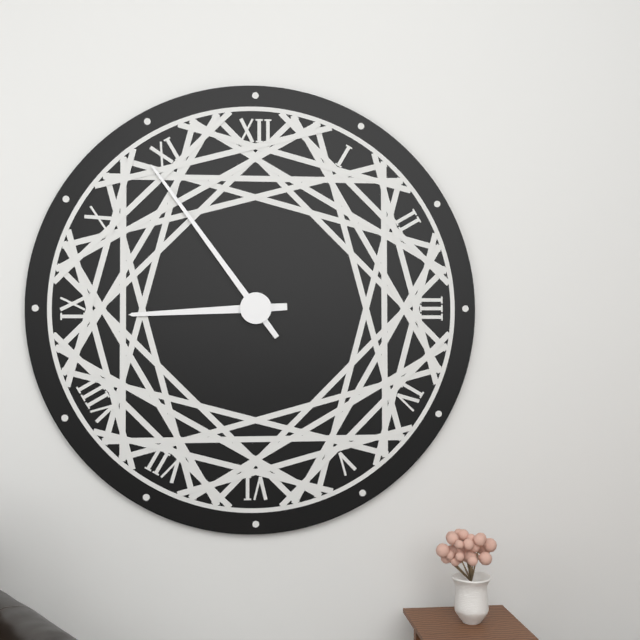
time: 8:54
